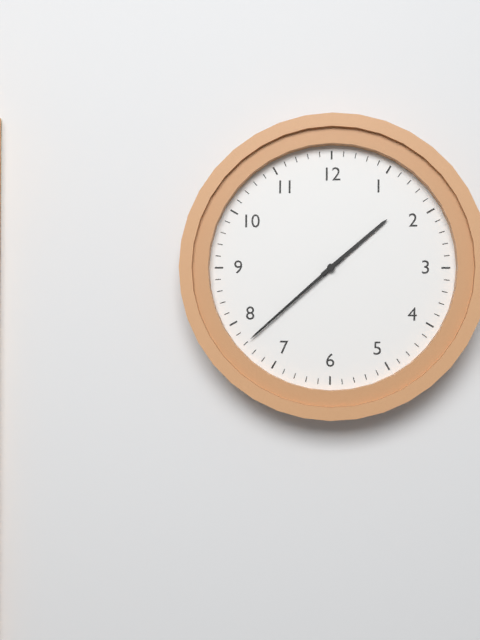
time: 1:38
